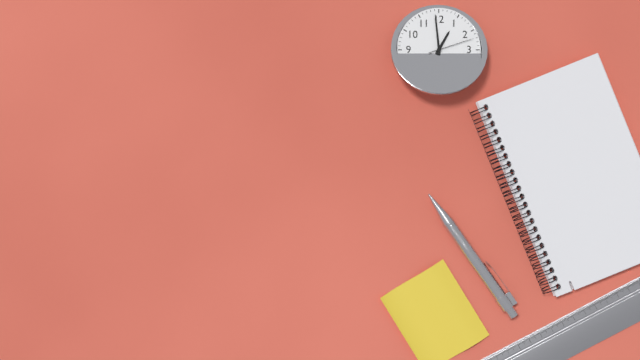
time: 12:59
